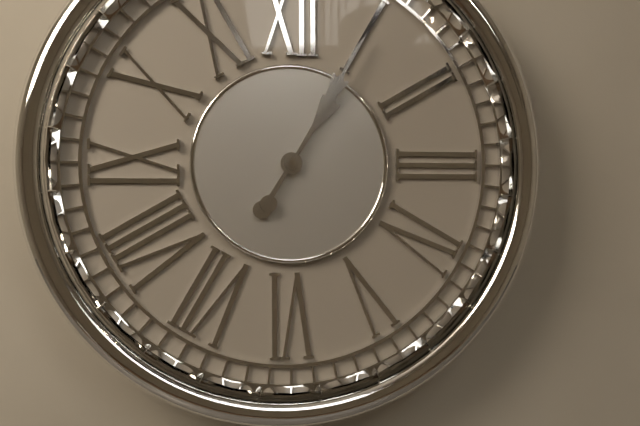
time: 1:05
